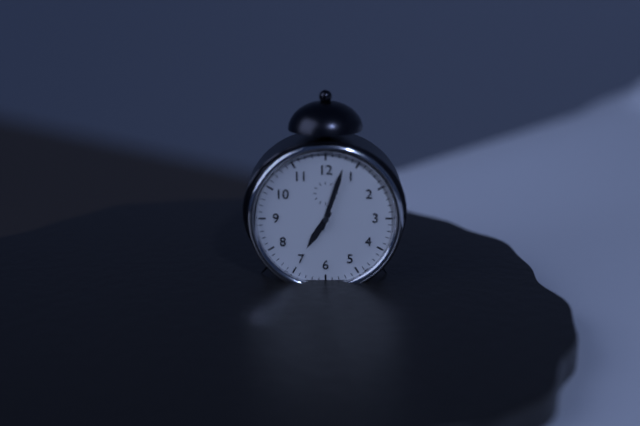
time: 7:03
